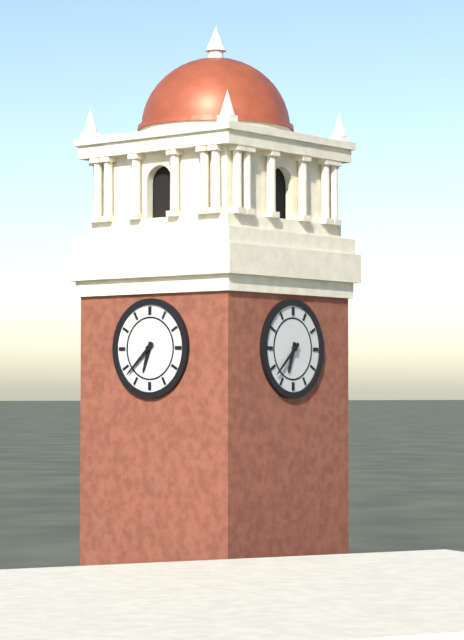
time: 6:38
